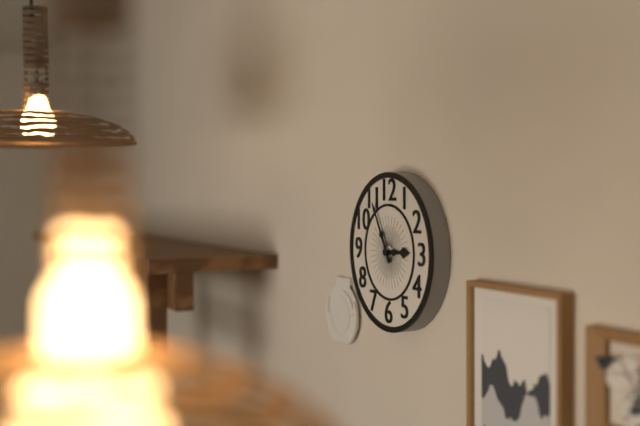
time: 2:55
